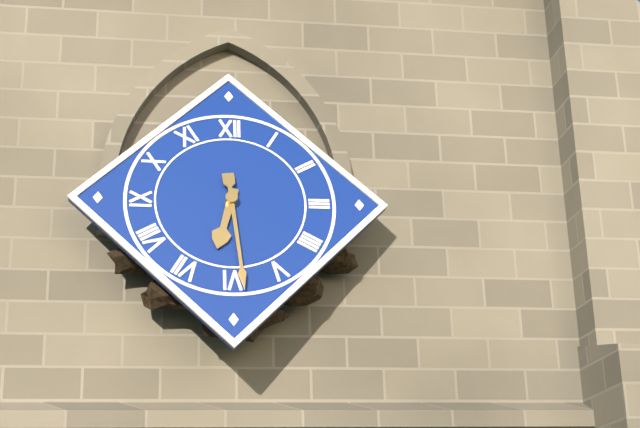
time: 6:29
